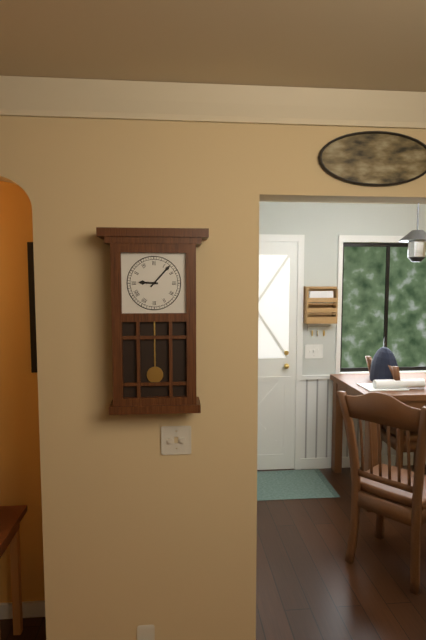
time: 9:07
